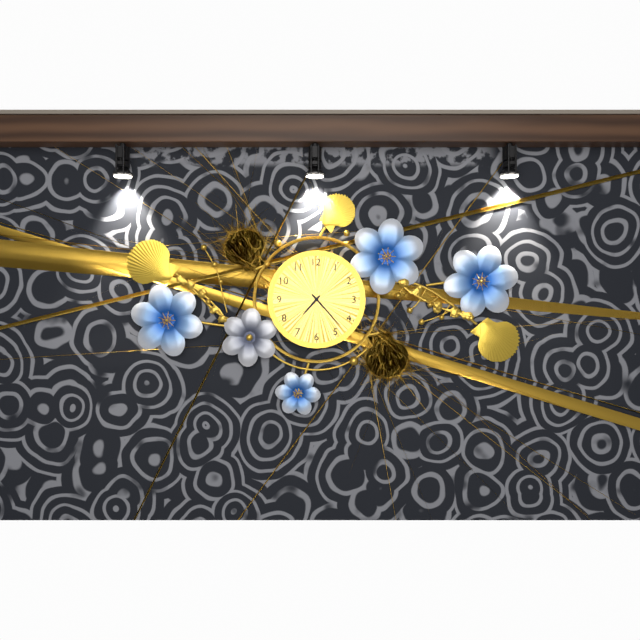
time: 7:23
